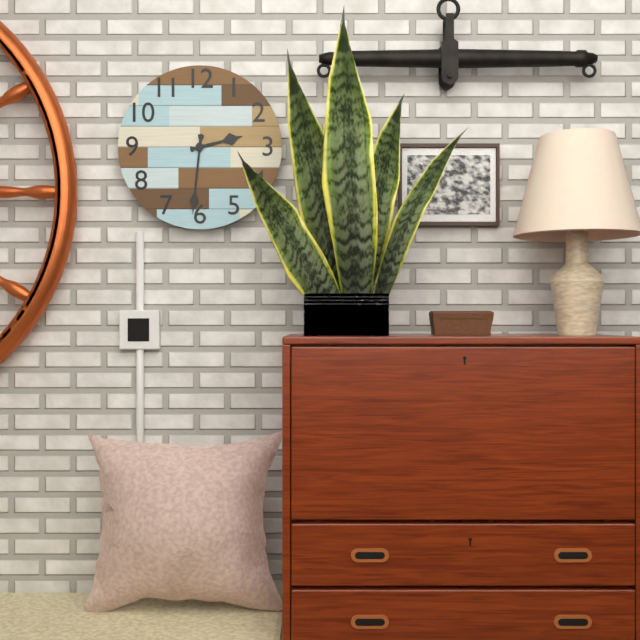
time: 2:31
